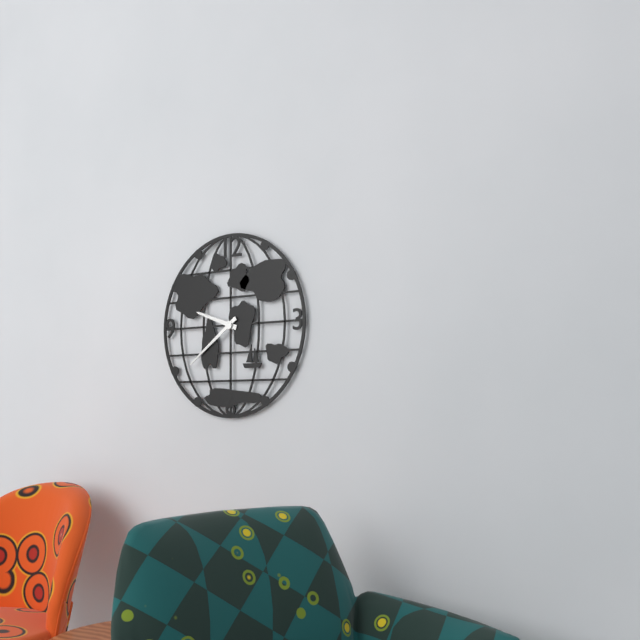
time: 9:39
